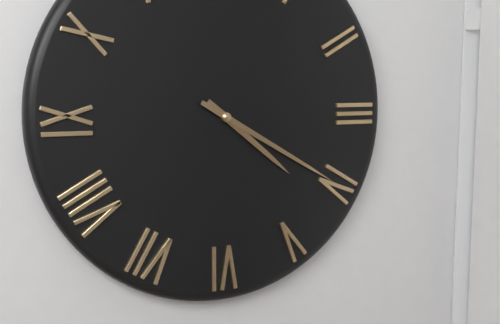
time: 4:20
